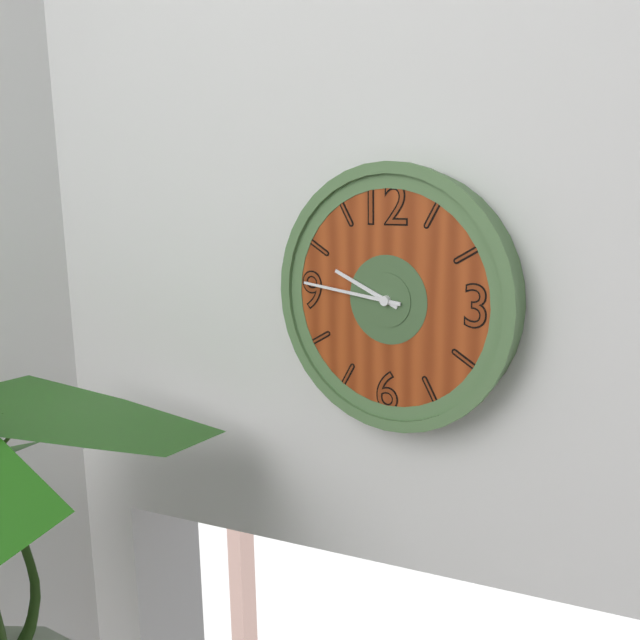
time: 9:46
